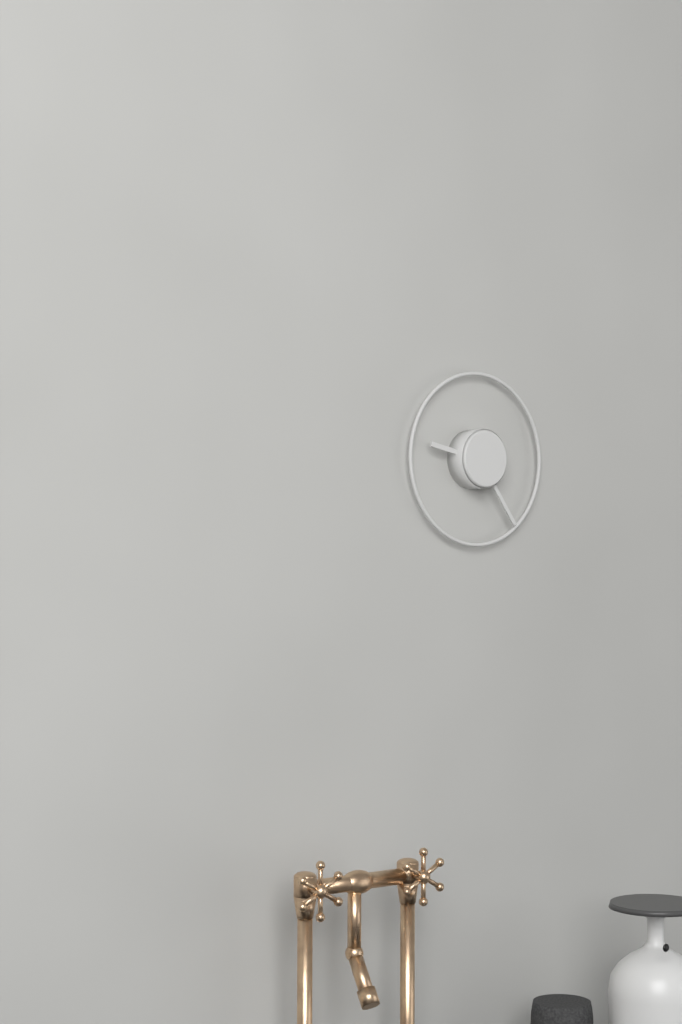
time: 9:24
